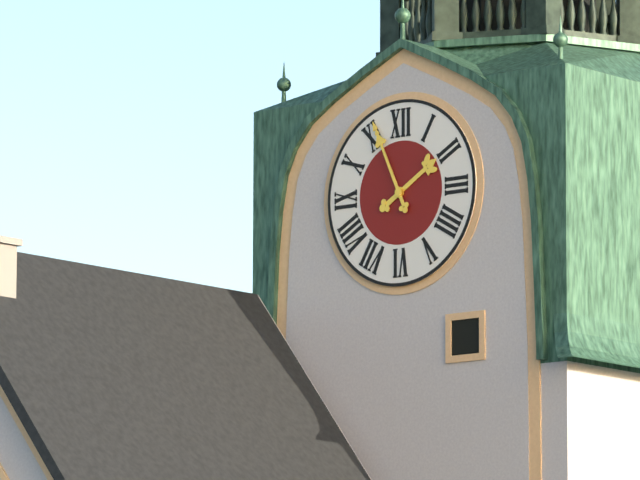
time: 1:56
